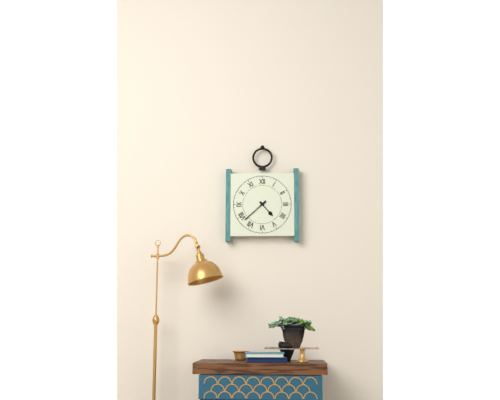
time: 4:38
